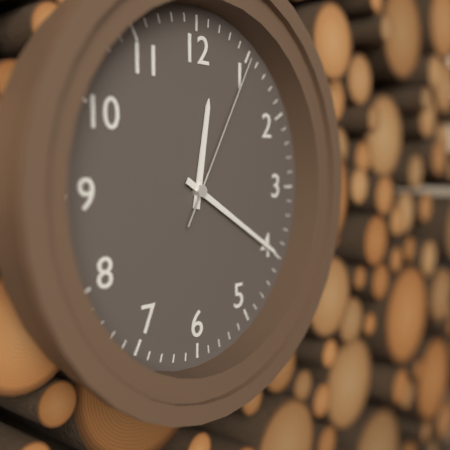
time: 12:20:05
